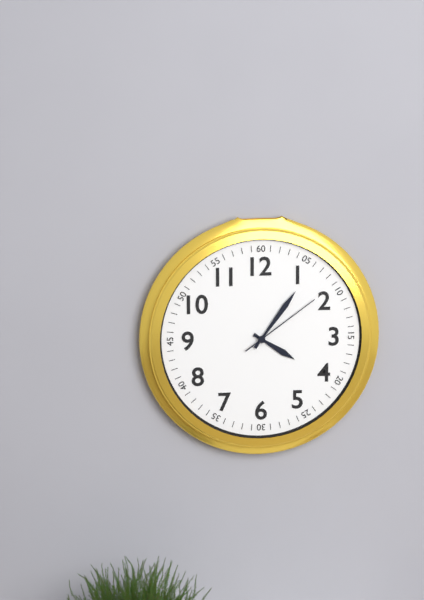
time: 4:06:09
